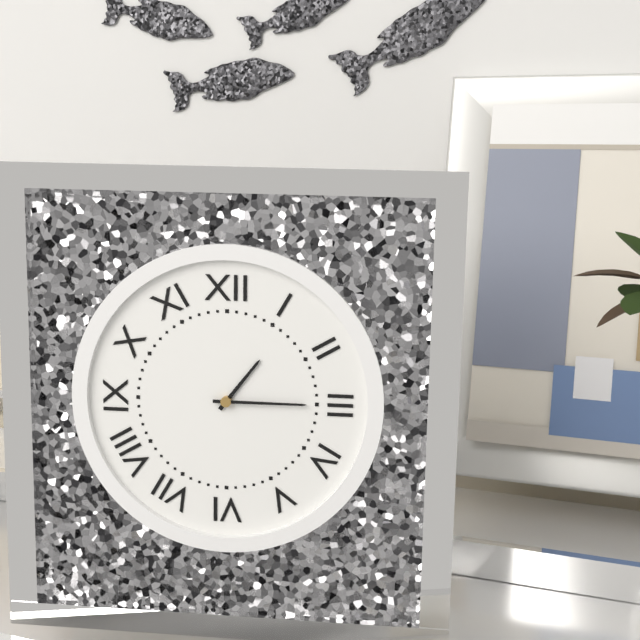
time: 1:15
